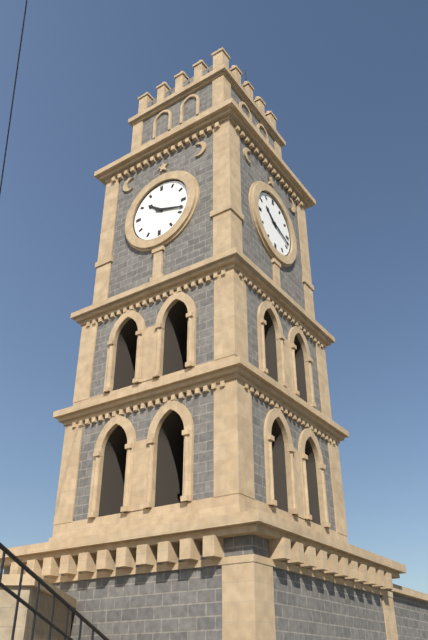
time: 10:18
